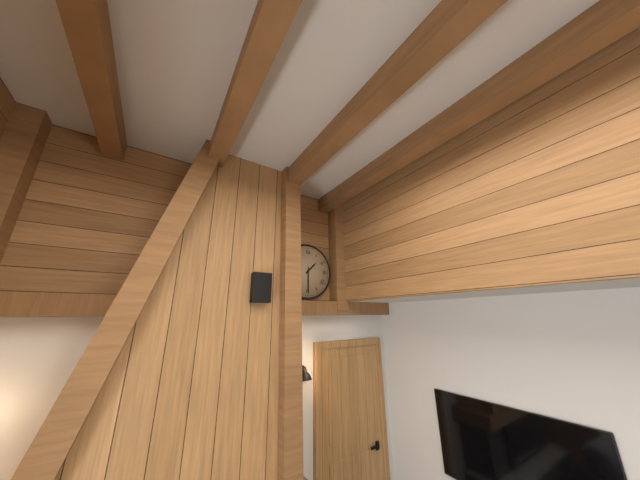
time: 1:30
